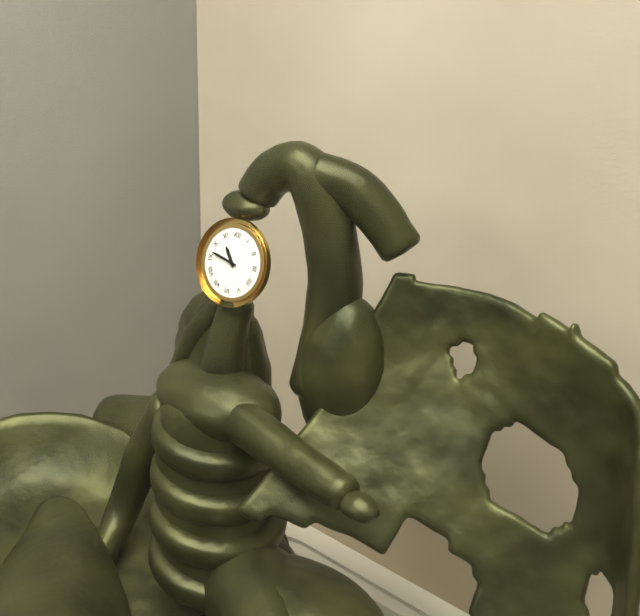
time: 10:47
